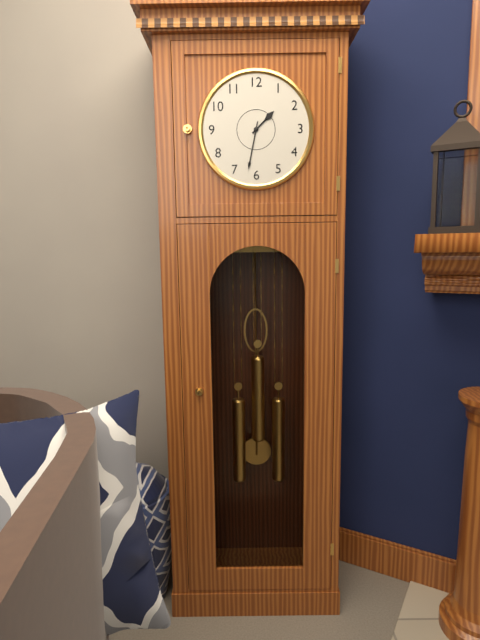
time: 1:32
